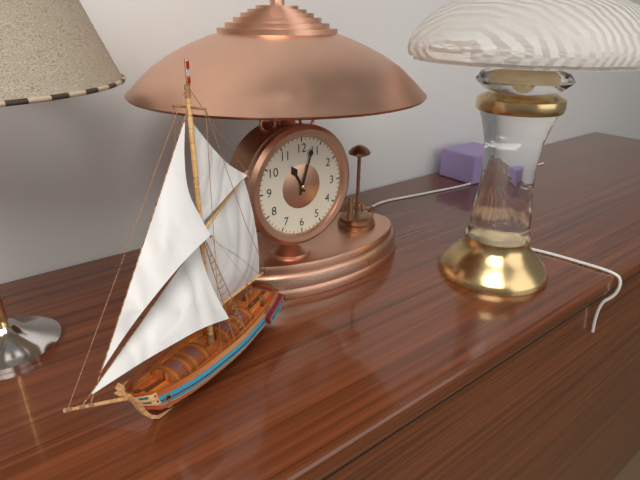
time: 11:03
